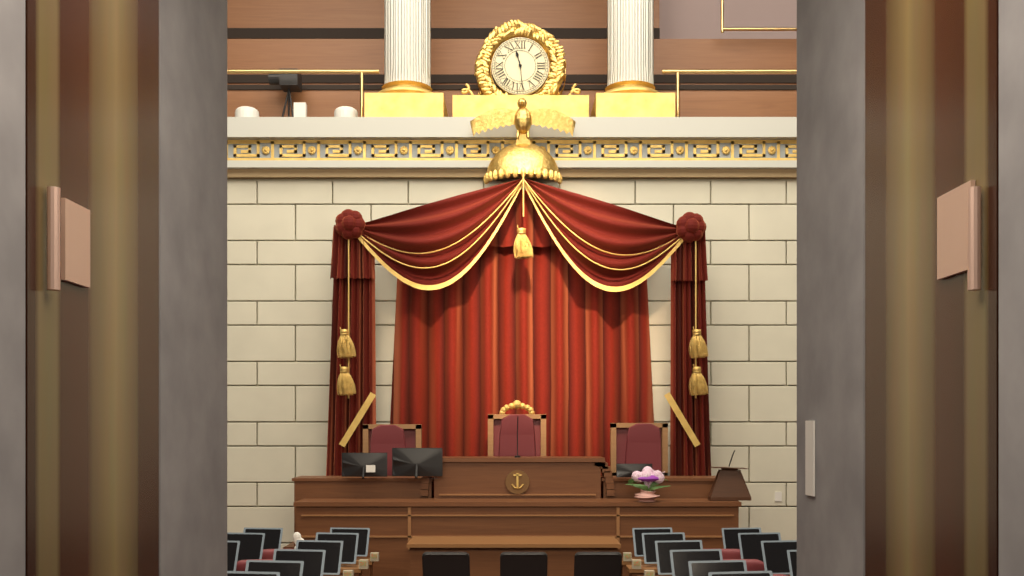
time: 11:29
